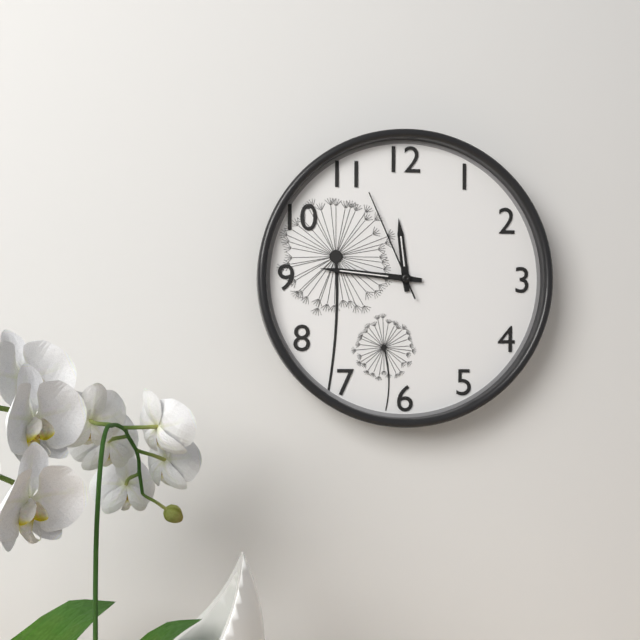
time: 11:46:56
